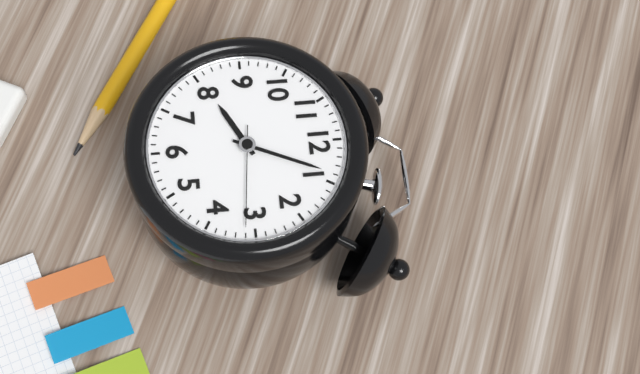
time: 8:04:16
